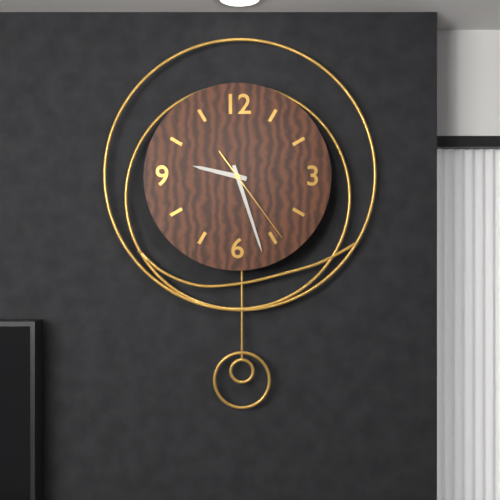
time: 9:27:24
